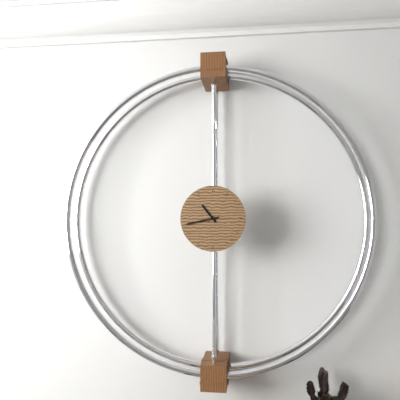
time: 10:43
